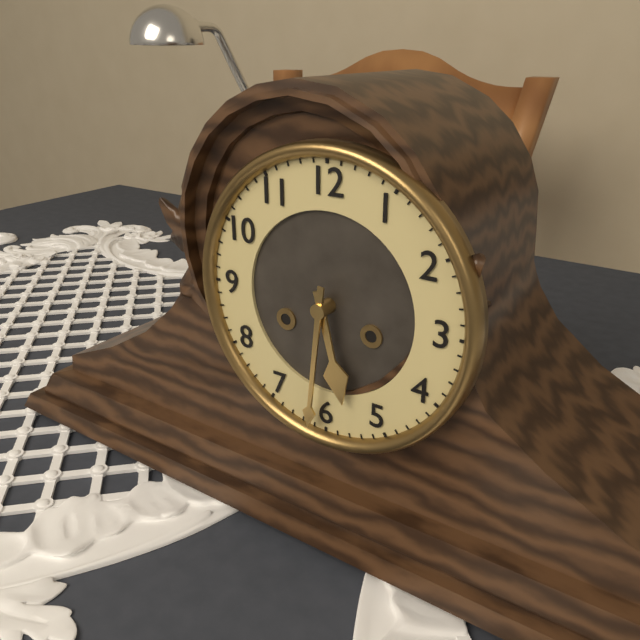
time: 5:31
